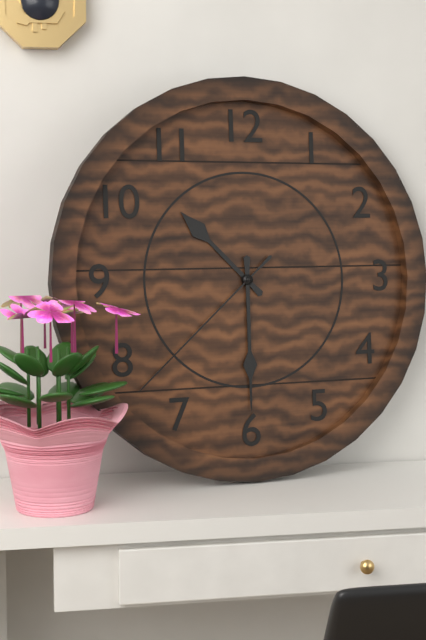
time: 10:30:38
